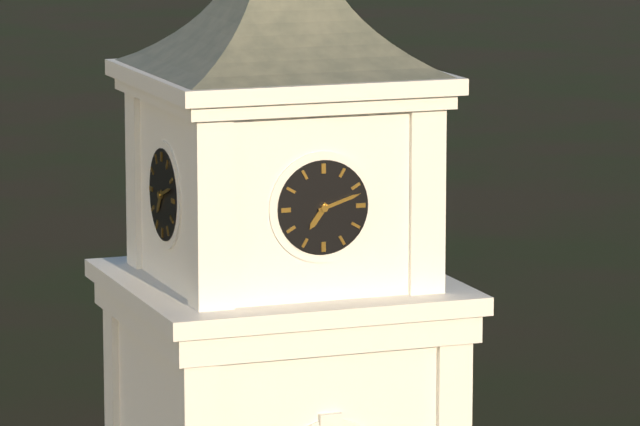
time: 7:12
